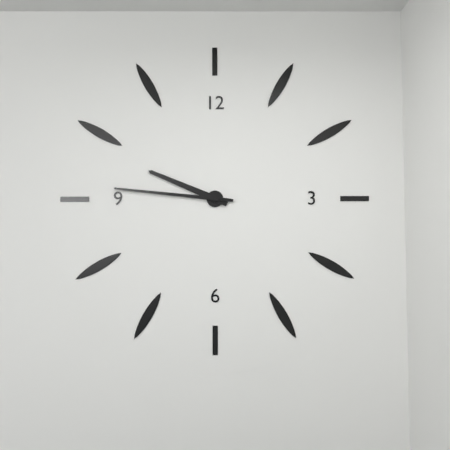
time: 9:46
